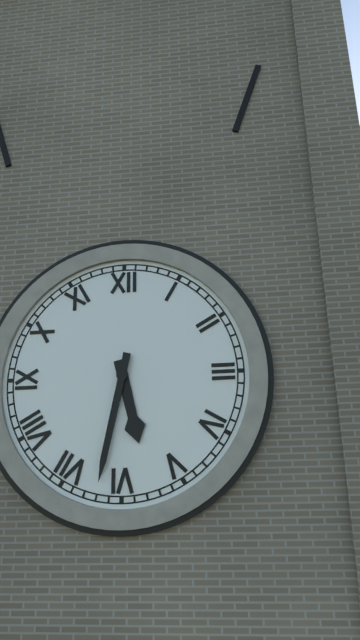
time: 5:32
